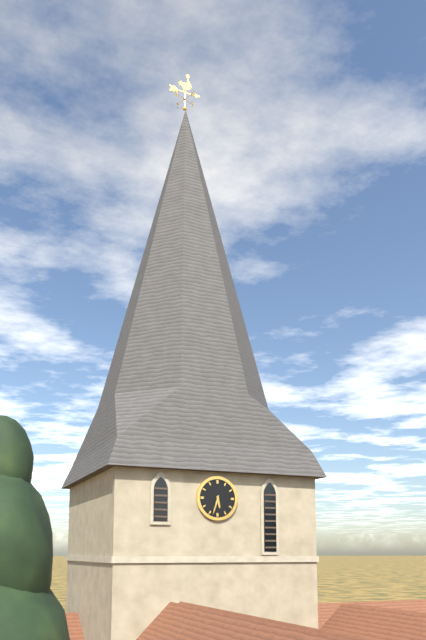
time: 5:33
